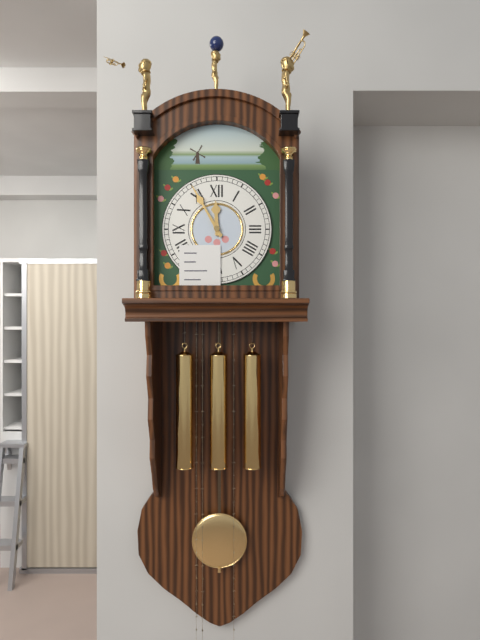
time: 11:55
